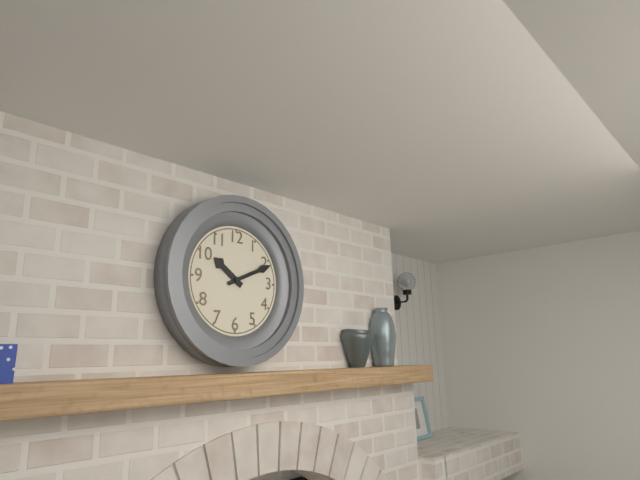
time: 10:11
